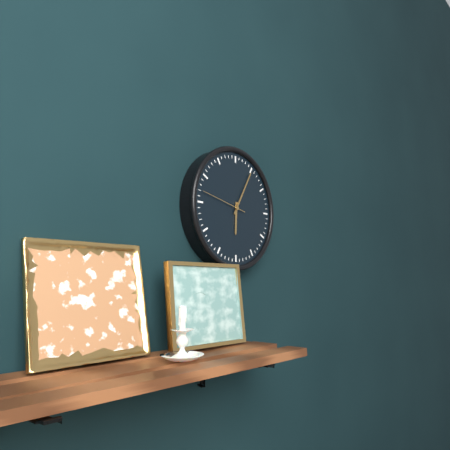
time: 6:05
